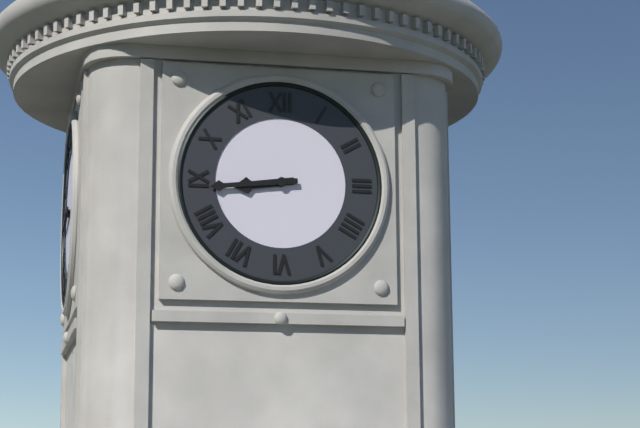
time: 8:44
